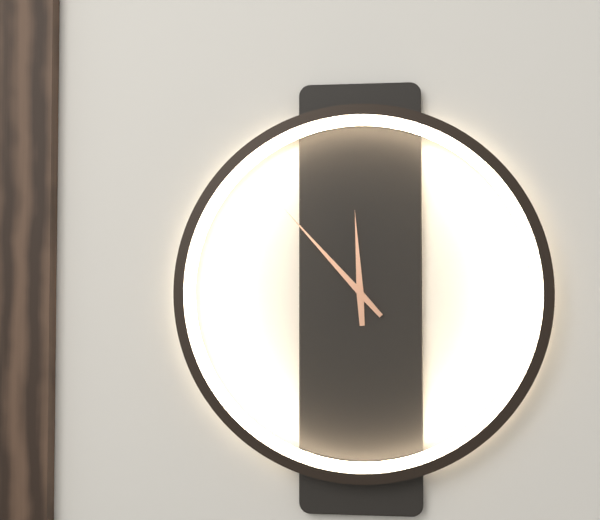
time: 11:53
